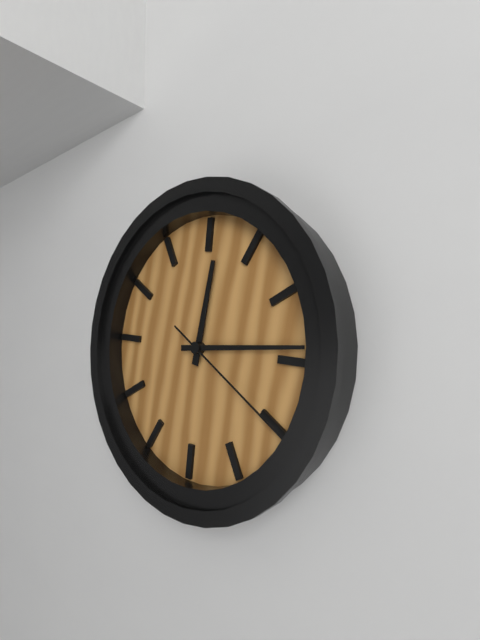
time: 12:14:20
